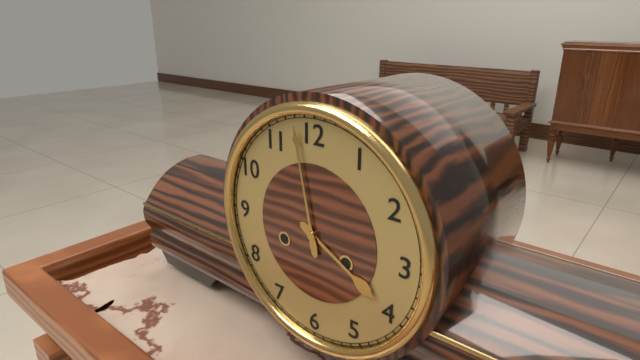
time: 3:58
